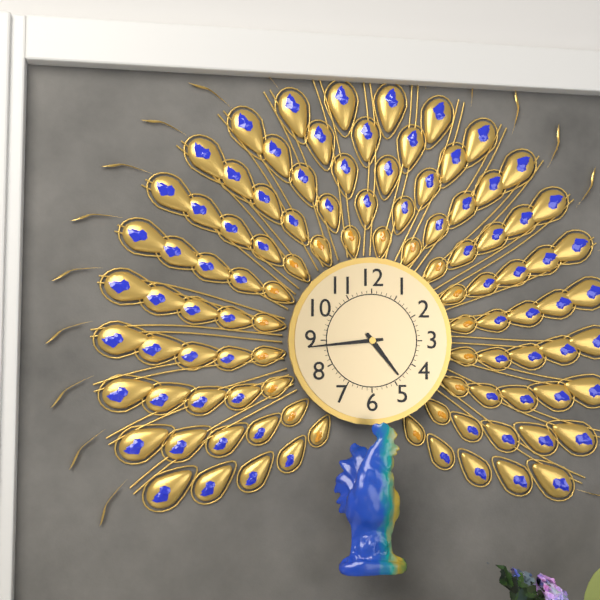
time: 4:44
